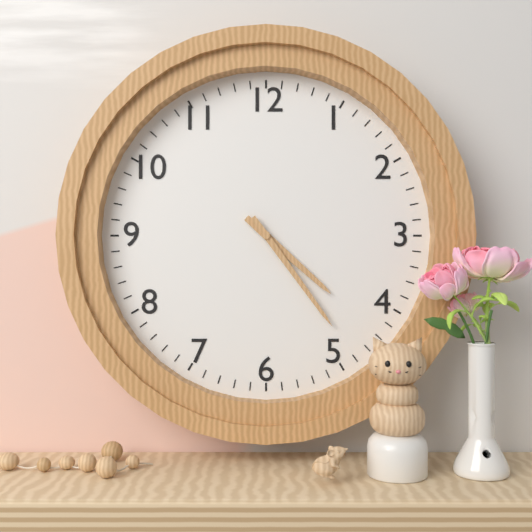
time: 4:24
